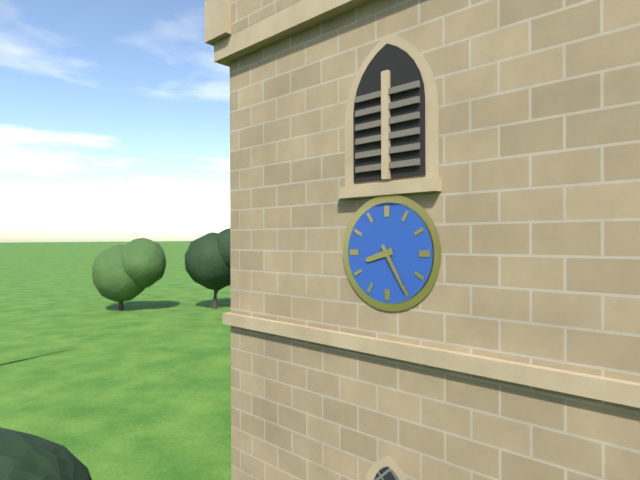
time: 8:25
